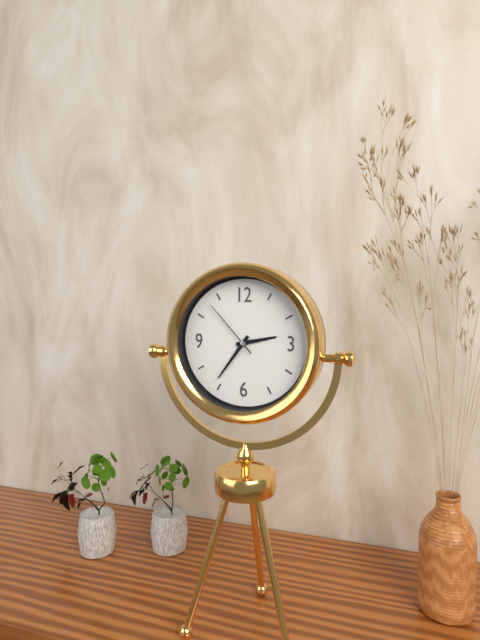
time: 2:36:53
